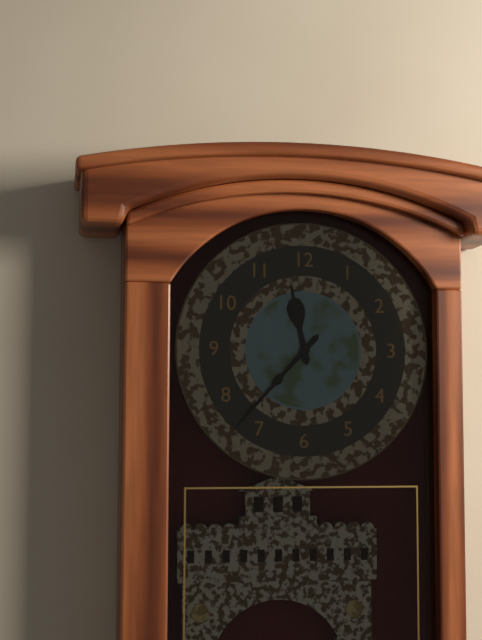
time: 11:37
